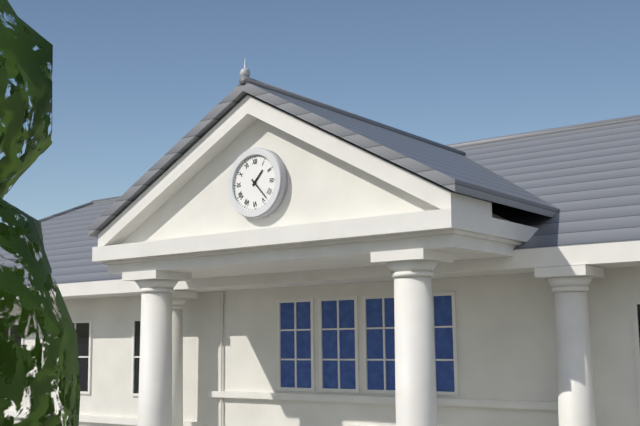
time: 1:23
